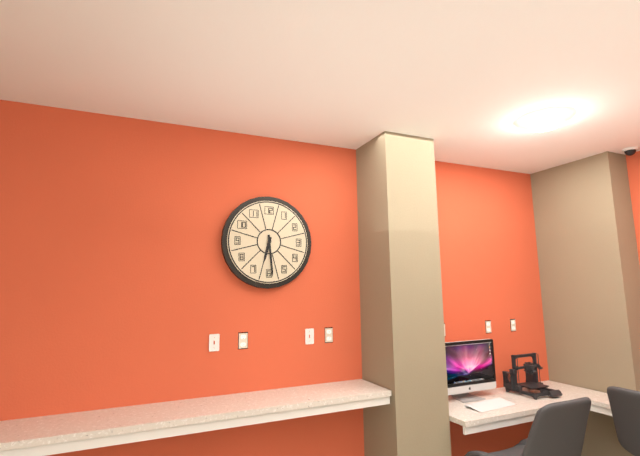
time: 6:29
